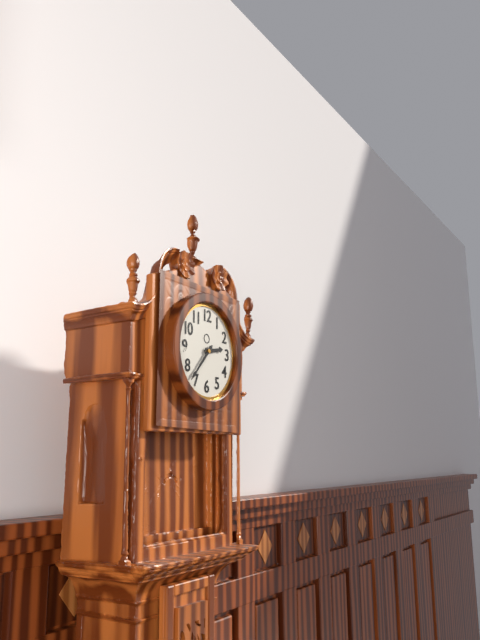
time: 2:37
